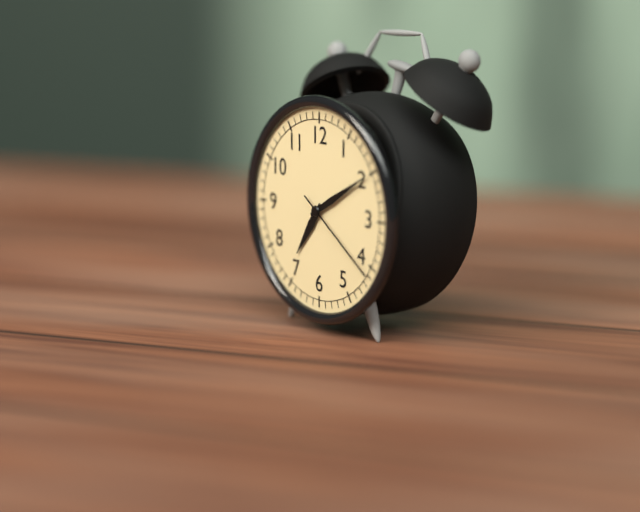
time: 7:10:21
